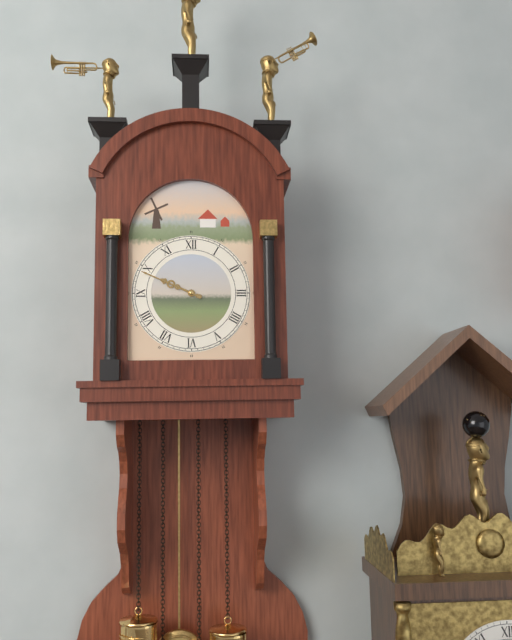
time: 9:49
